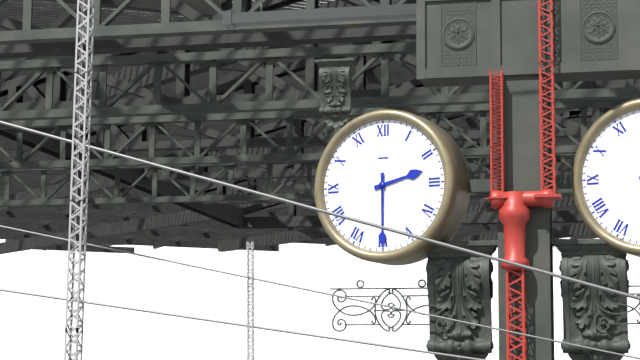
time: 2:30
